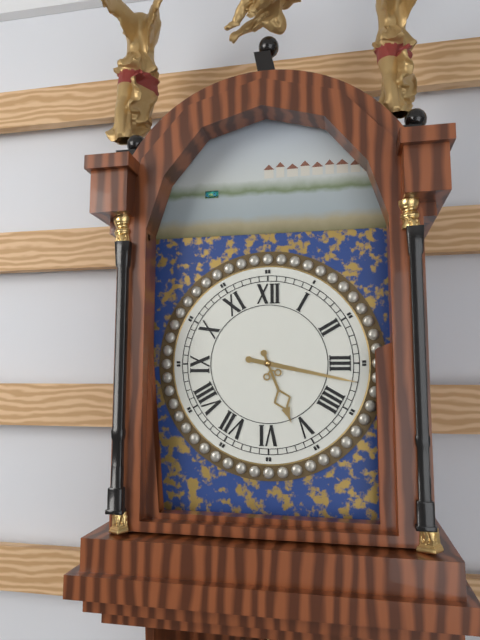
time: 5:17
